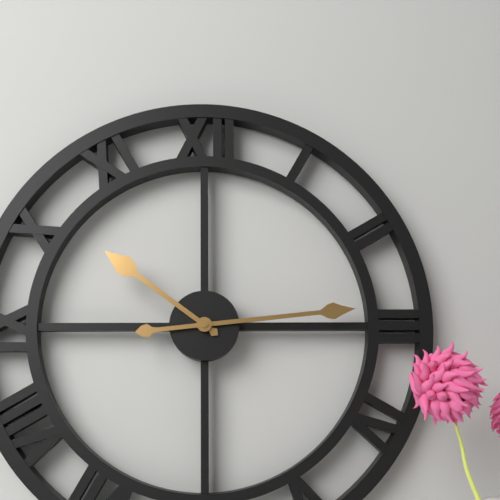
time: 10:14
